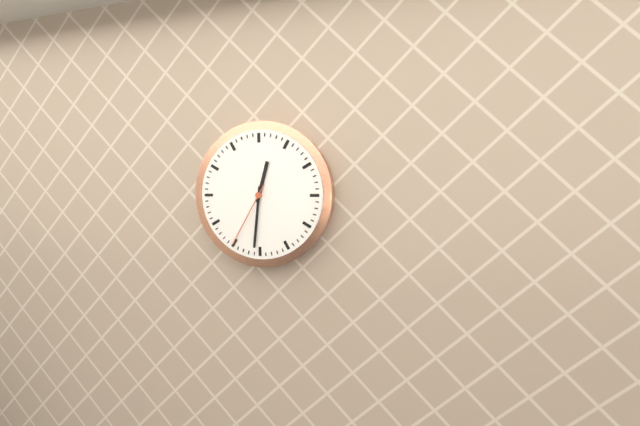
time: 12:31:35
